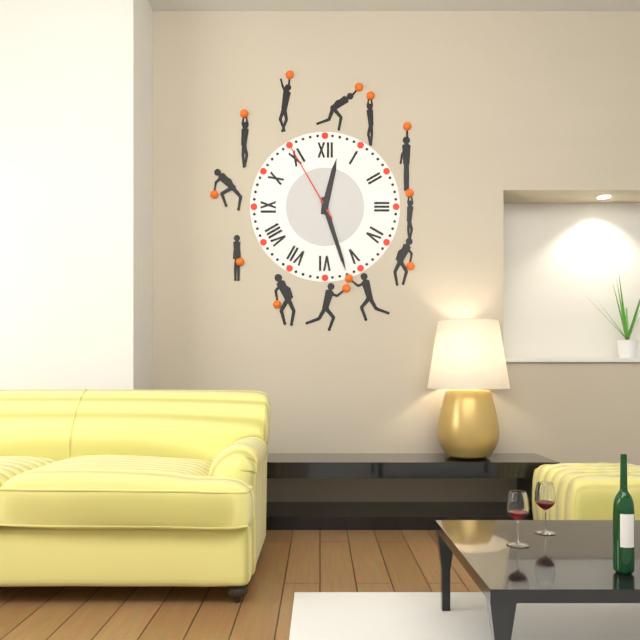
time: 12:27:55
